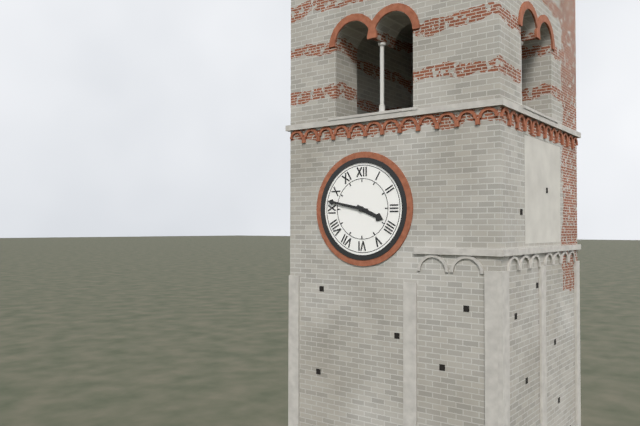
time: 3:47
